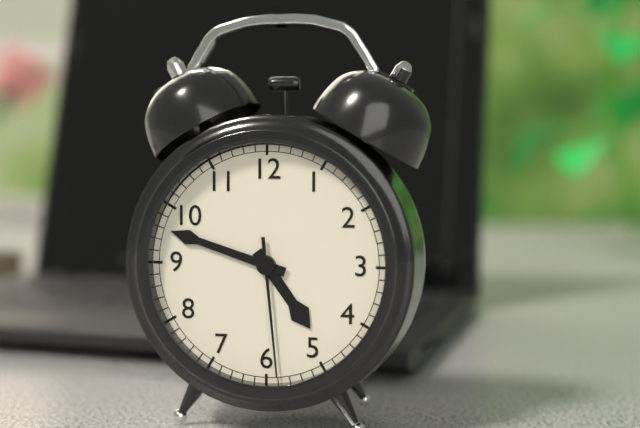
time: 4:48:29
